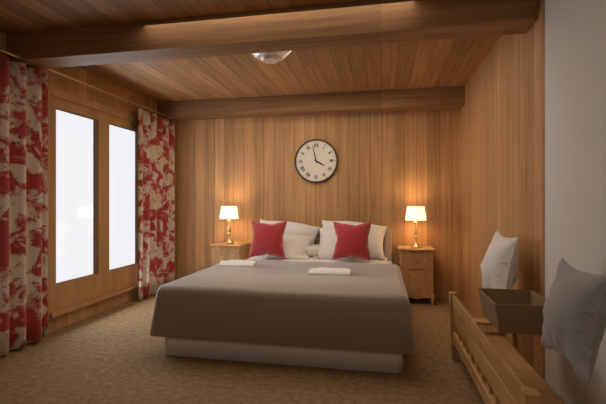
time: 3:58
